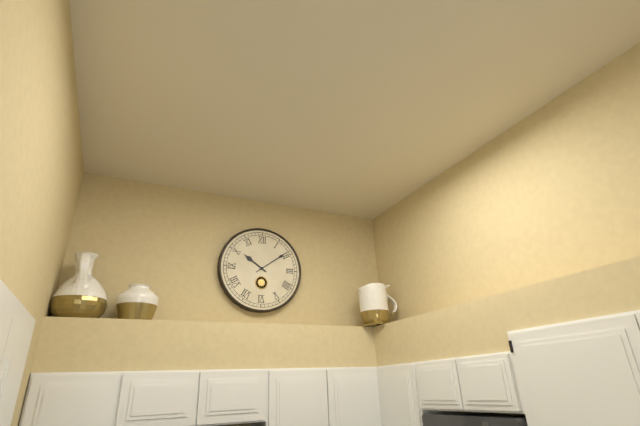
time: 10:09
